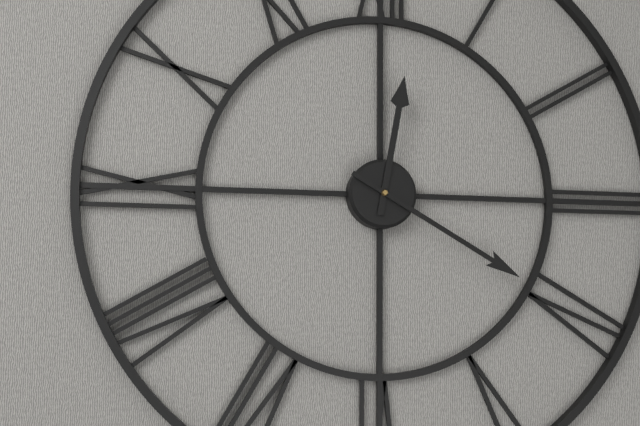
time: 12:20
